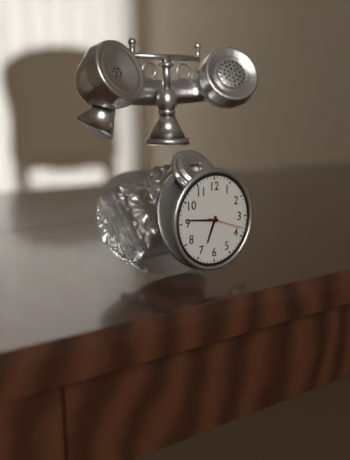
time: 6:46
